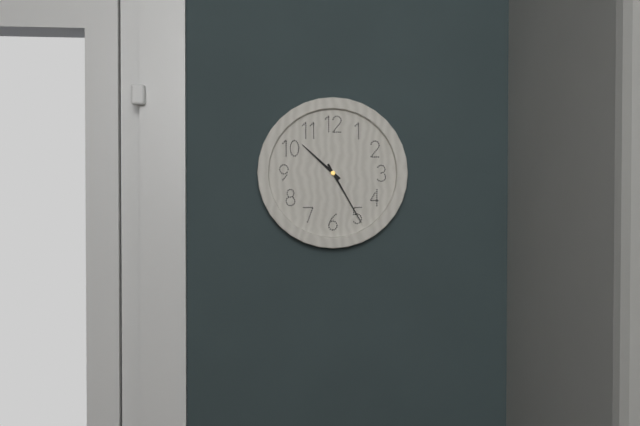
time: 10:25
